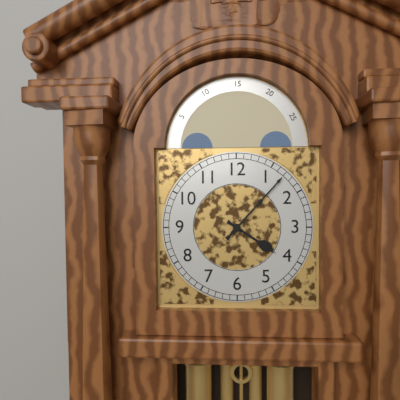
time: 4:07
